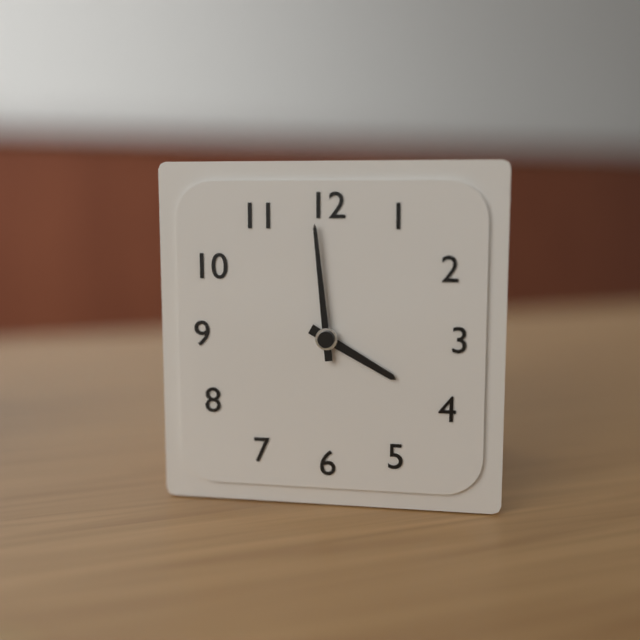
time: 3:59
